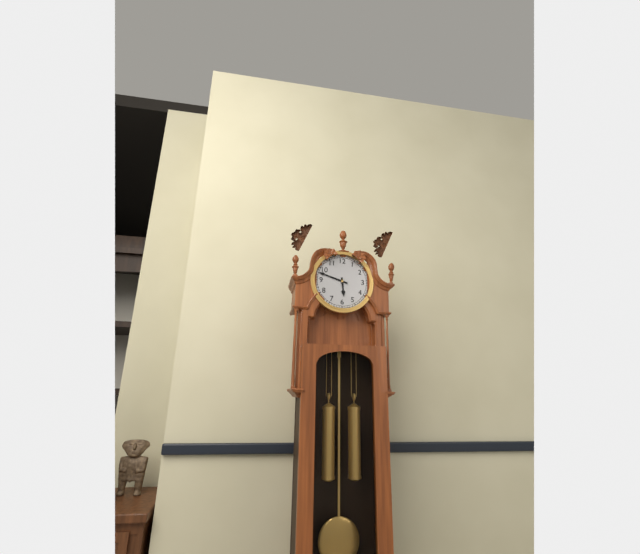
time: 5:48
